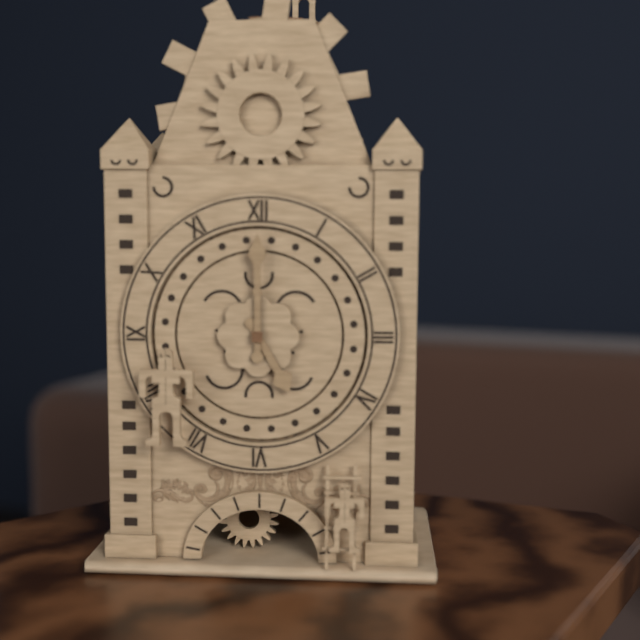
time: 5:00
